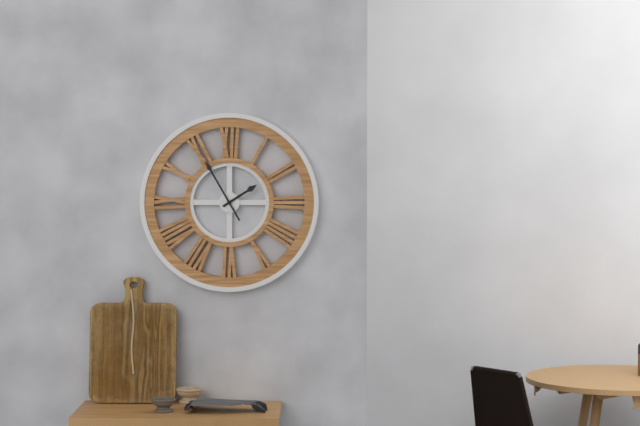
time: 1:55
